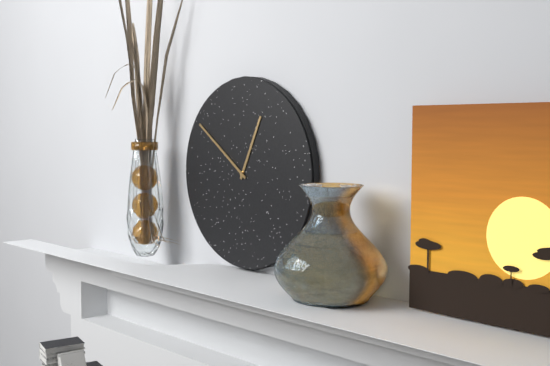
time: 12:51
